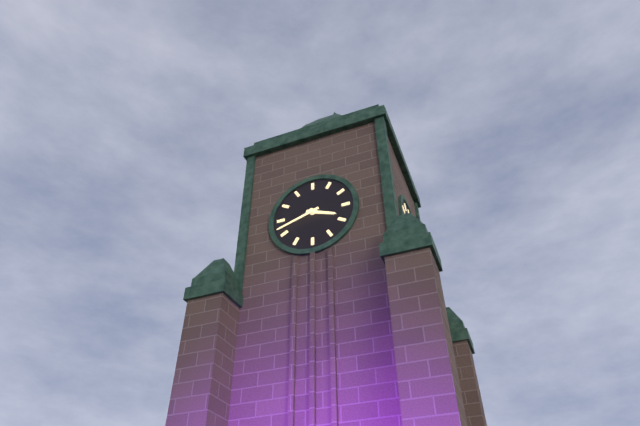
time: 3:42
